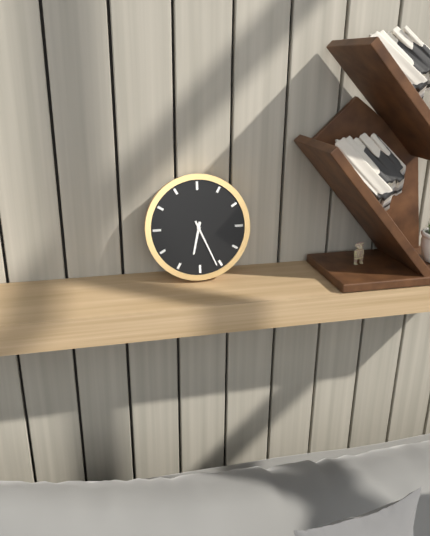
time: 6:26
